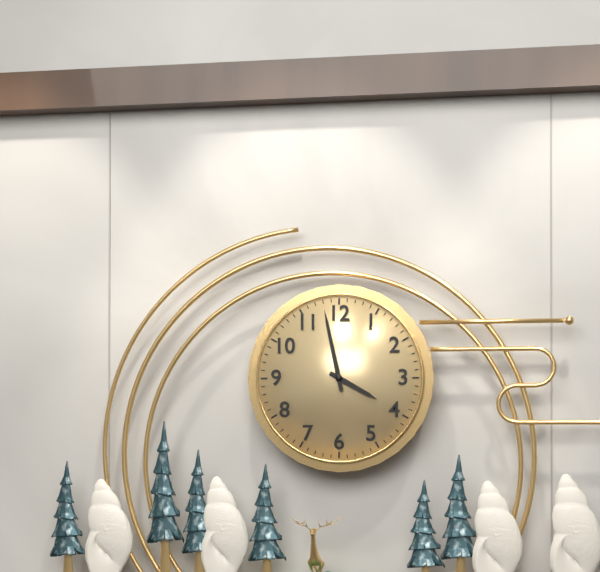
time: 3:58
